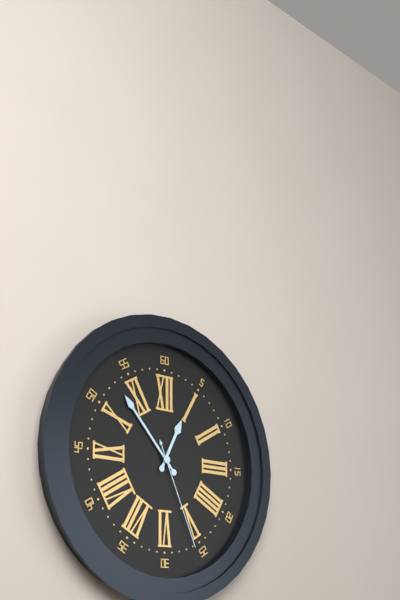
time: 12:53:26
